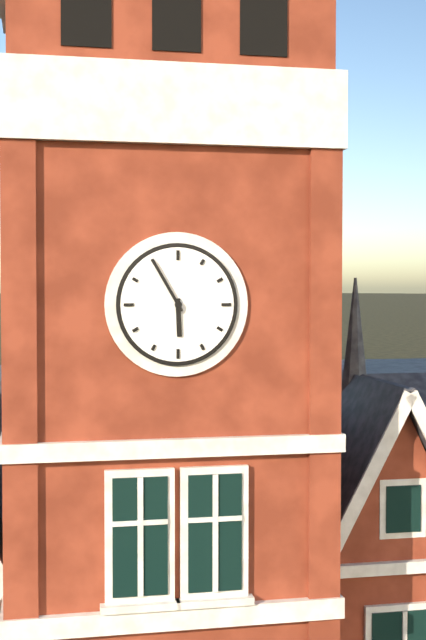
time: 5:55
